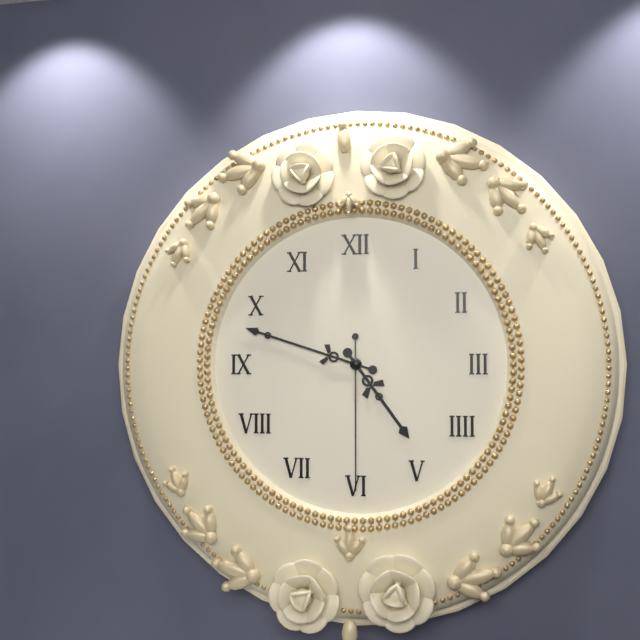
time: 4:48:30
